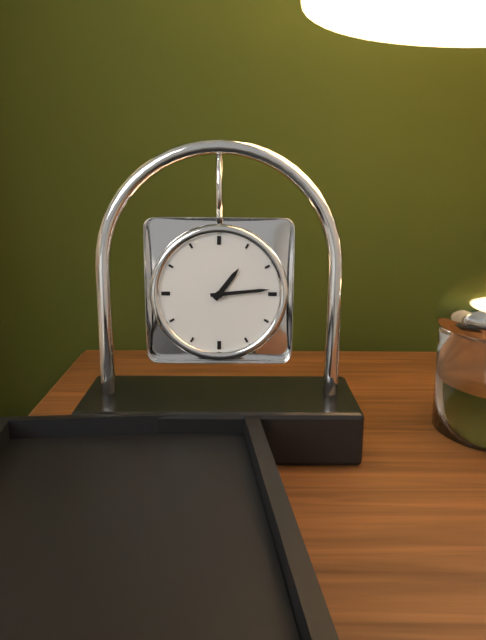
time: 1:14
